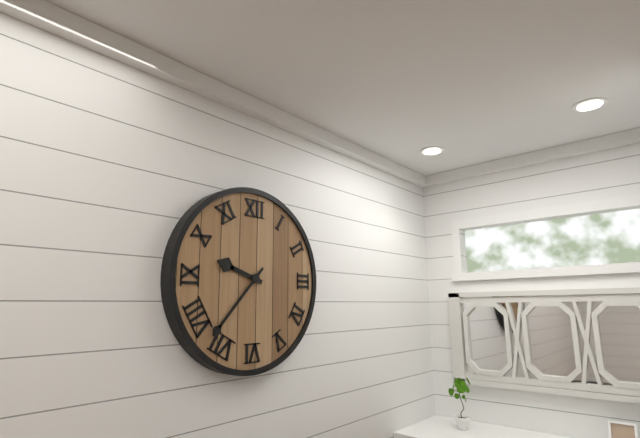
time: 9:37
